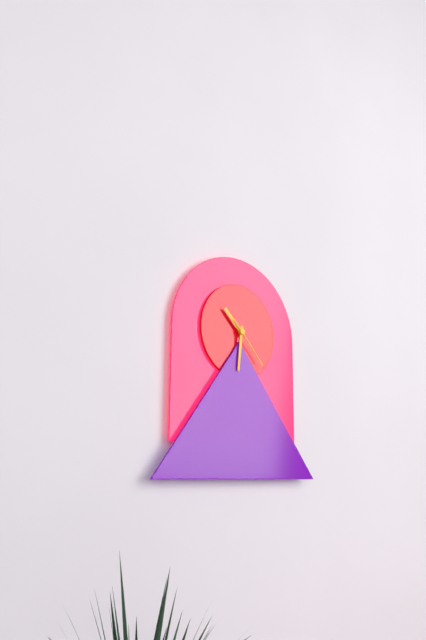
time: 10:31
